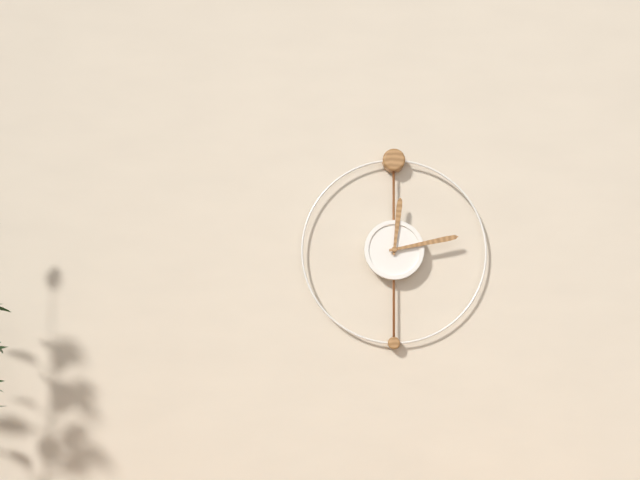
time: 12:13
